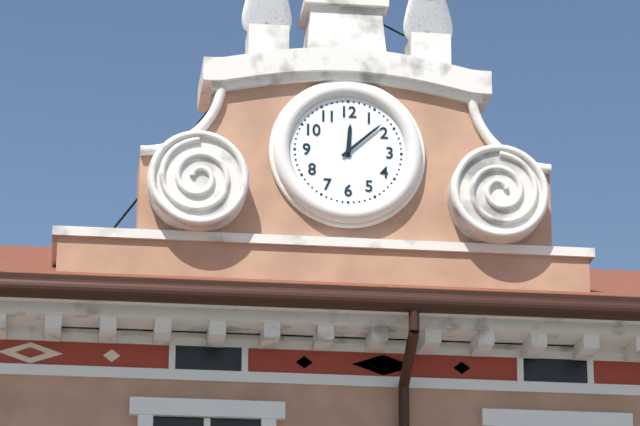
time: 12:08
